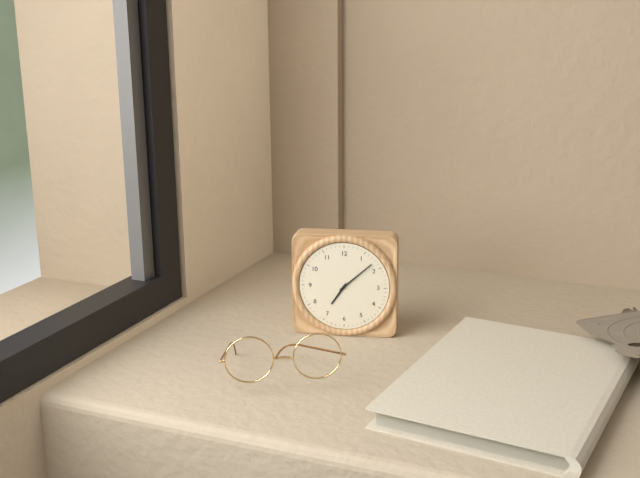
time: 7:08
